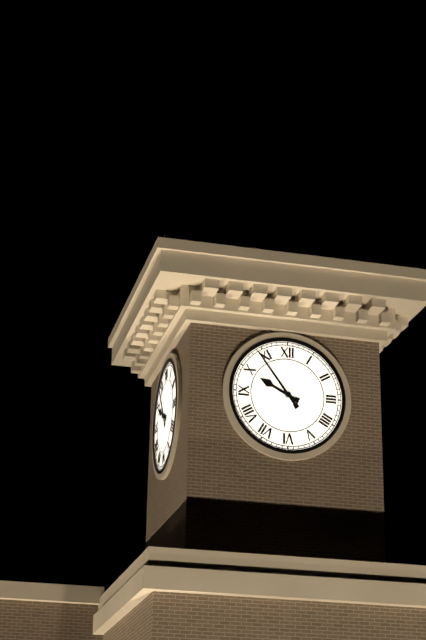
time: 9:54
